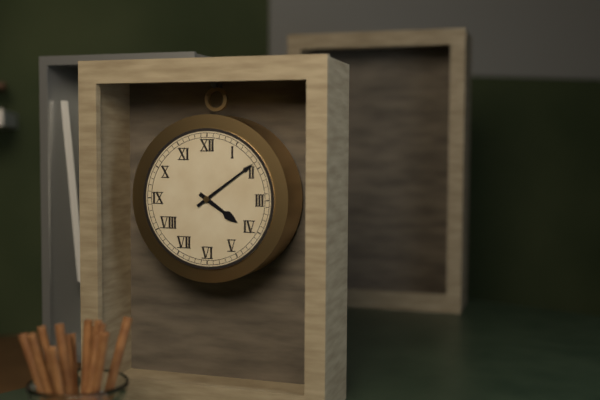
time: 4:09
